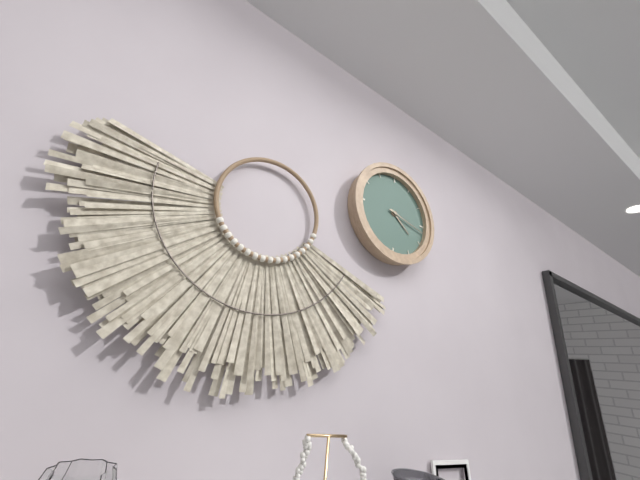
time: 4:17
